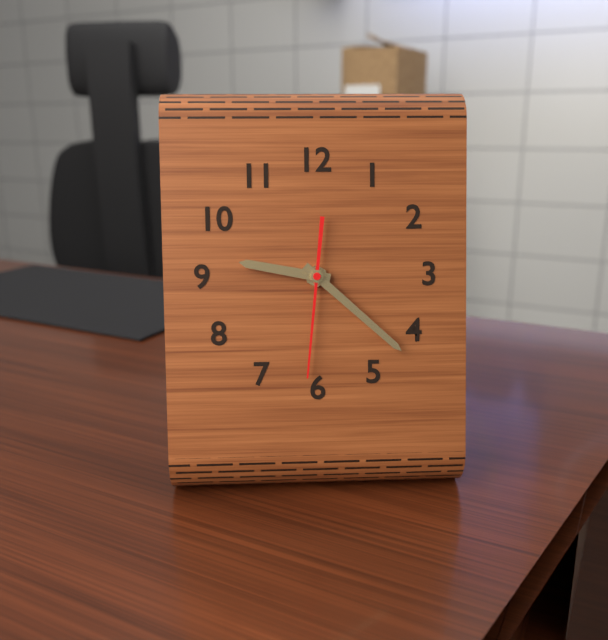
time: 9:22:31
